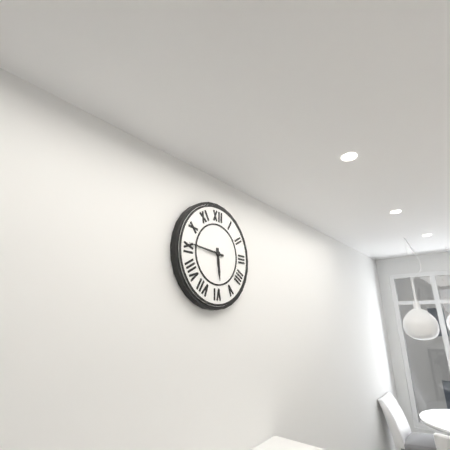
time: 5:46
